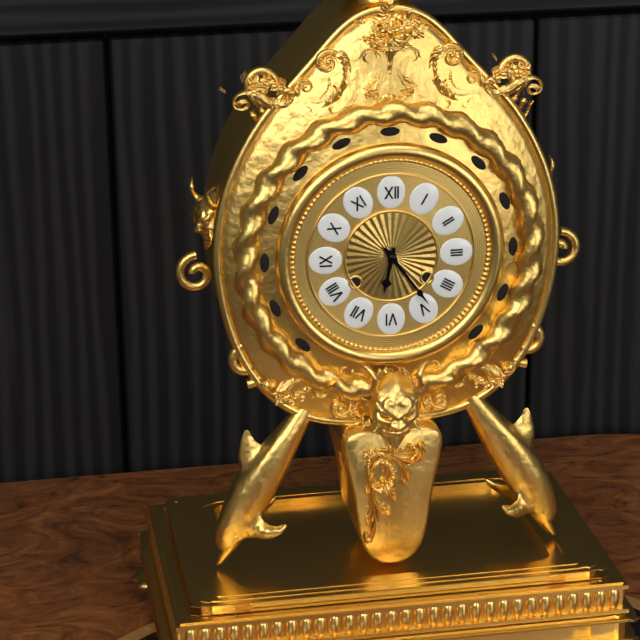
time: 6:24
